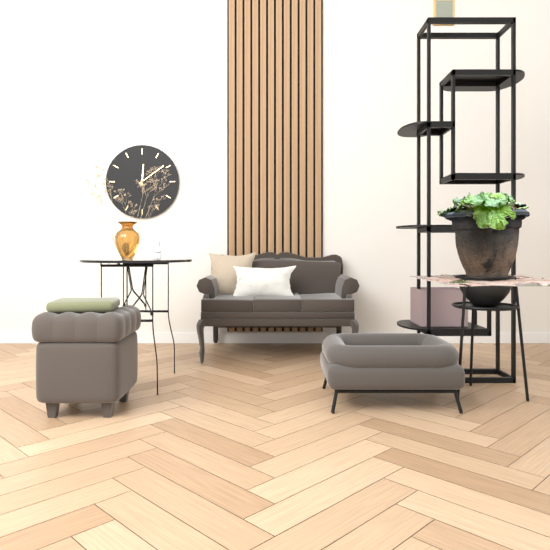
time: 12:09
